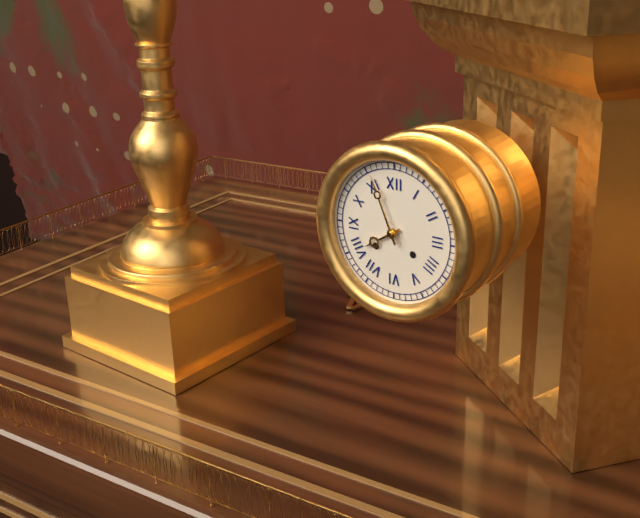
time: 7:56
